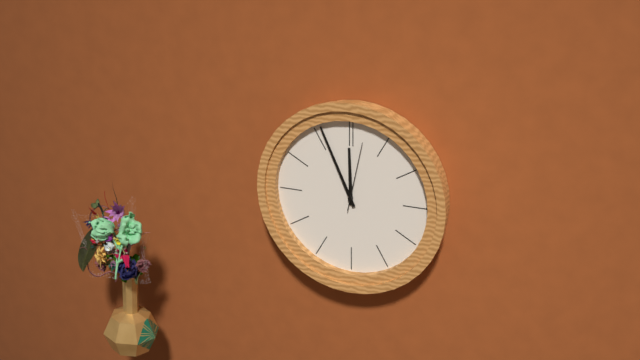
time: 11:56:02
